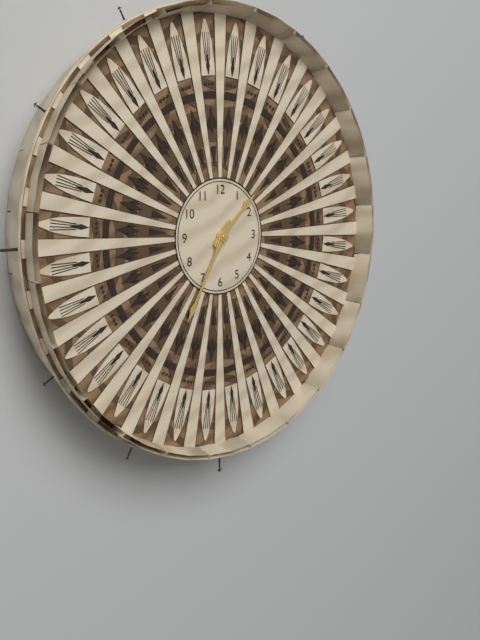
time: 1:35
